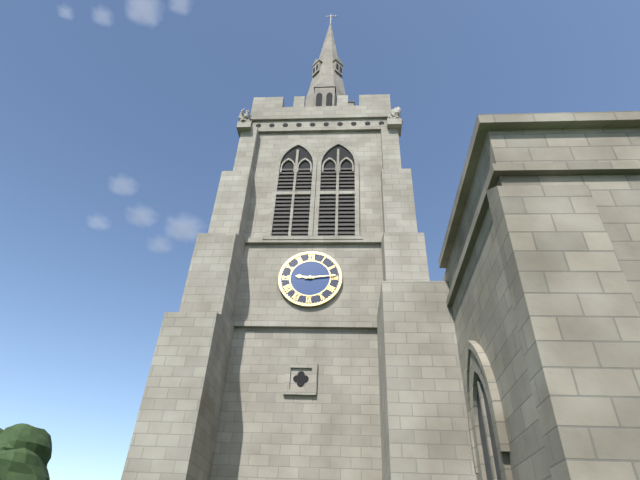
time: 9:14
